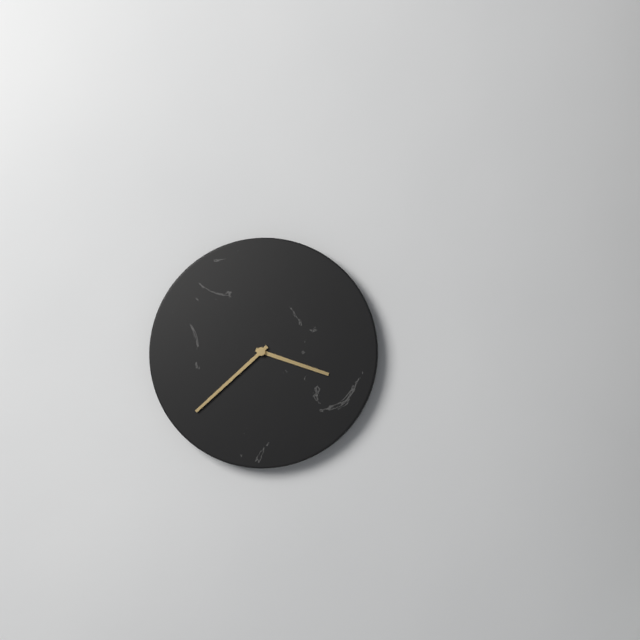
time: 3:38
